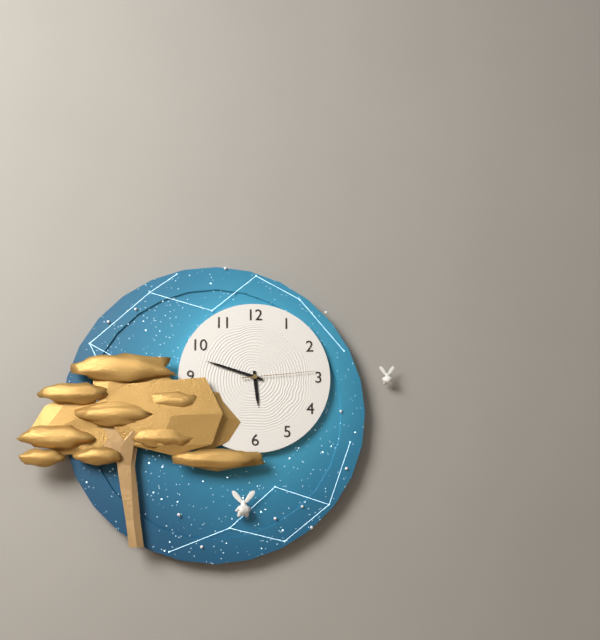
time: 5:48:14
